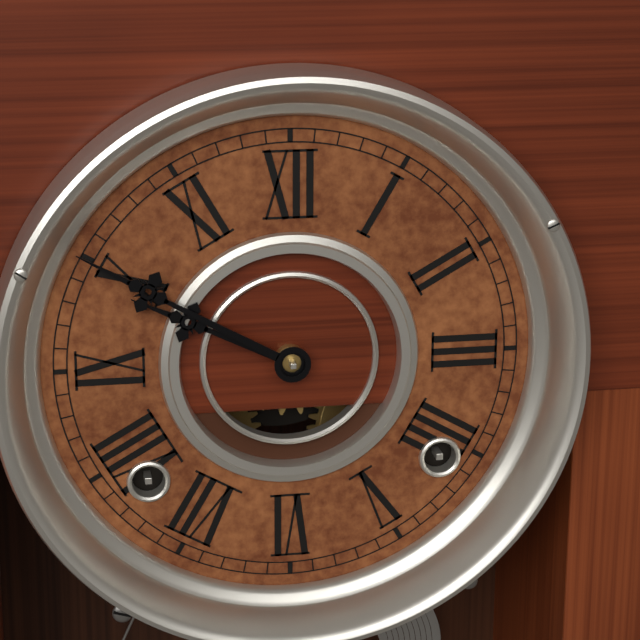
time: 9:50
